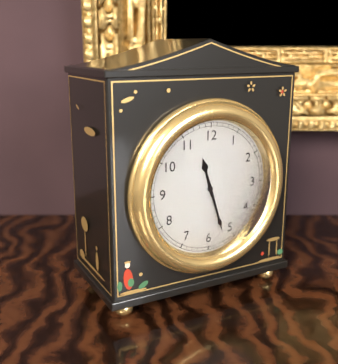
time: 11:27
